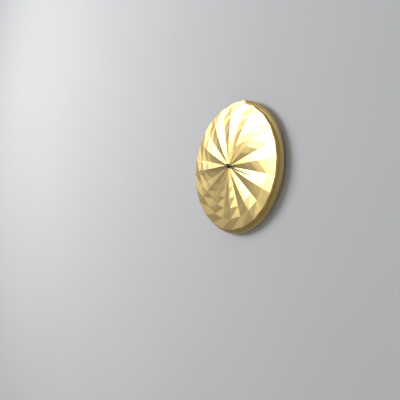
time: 3:45
